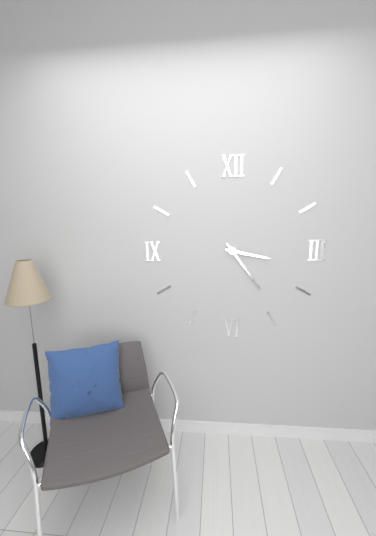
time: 3:24
